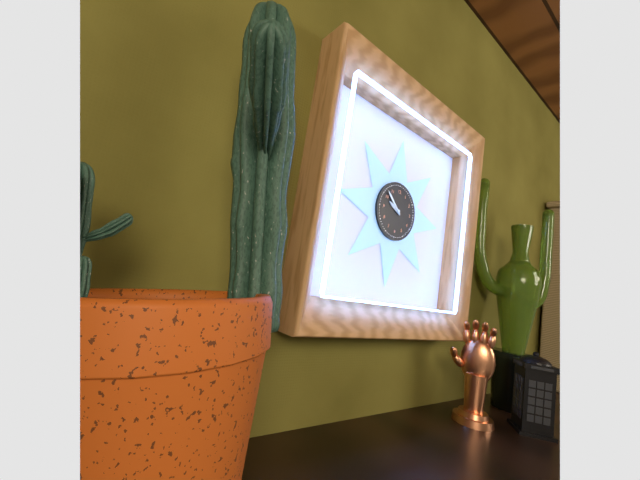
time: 9:52
